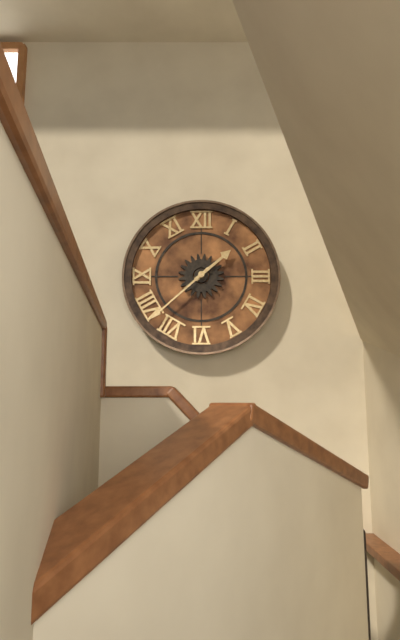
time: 1:38
